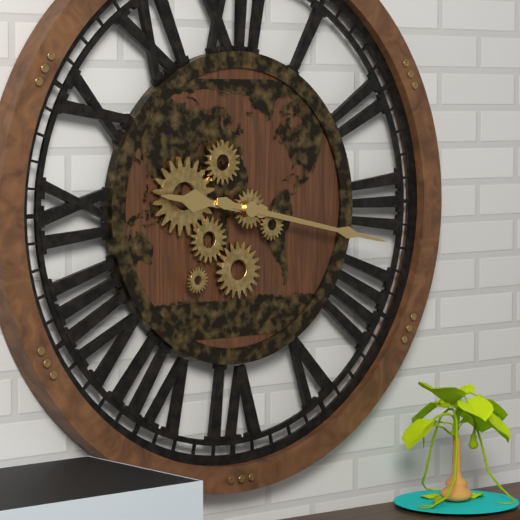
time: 9:17
